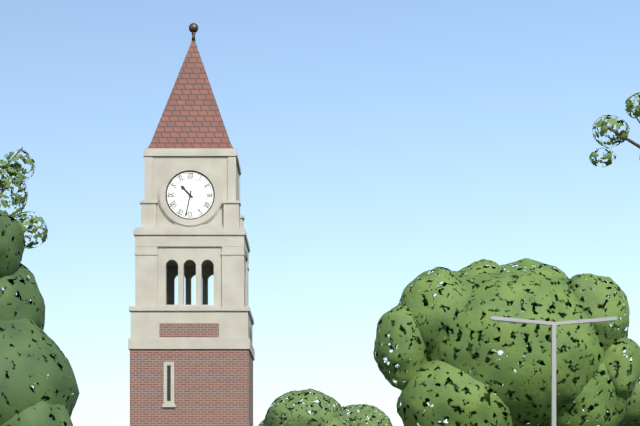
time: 10:32
